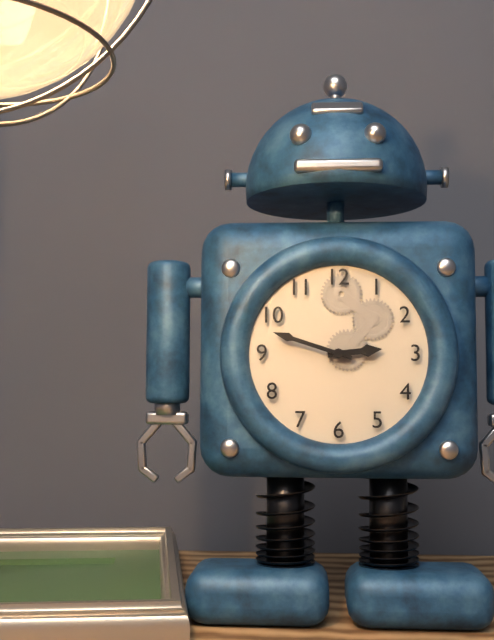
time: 2:48
